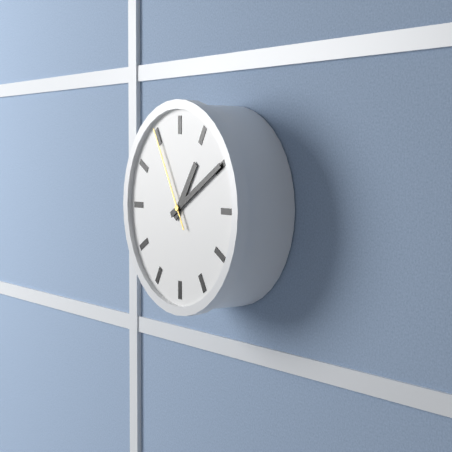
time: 1:10:55
